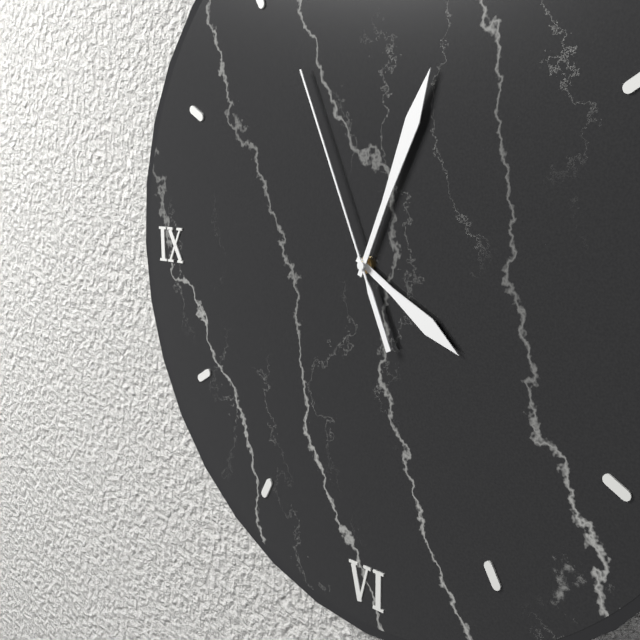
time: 4:04:56
